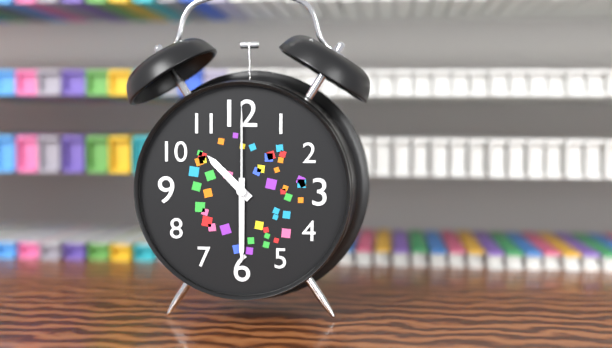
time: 10:30:00
